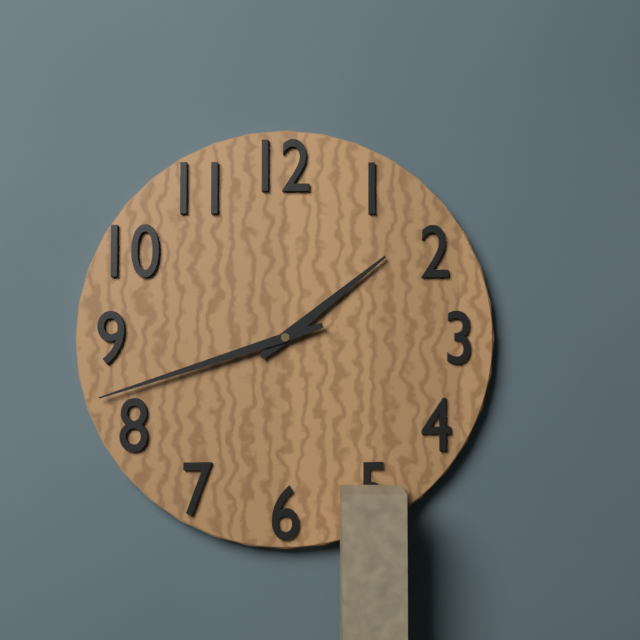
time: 1:42
